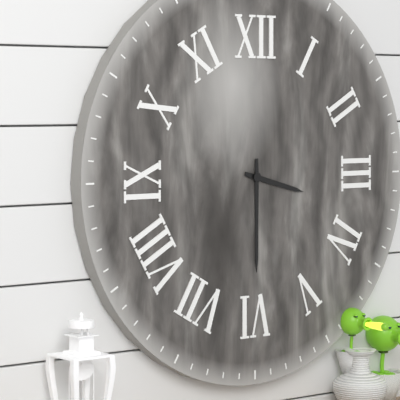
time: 3:30
